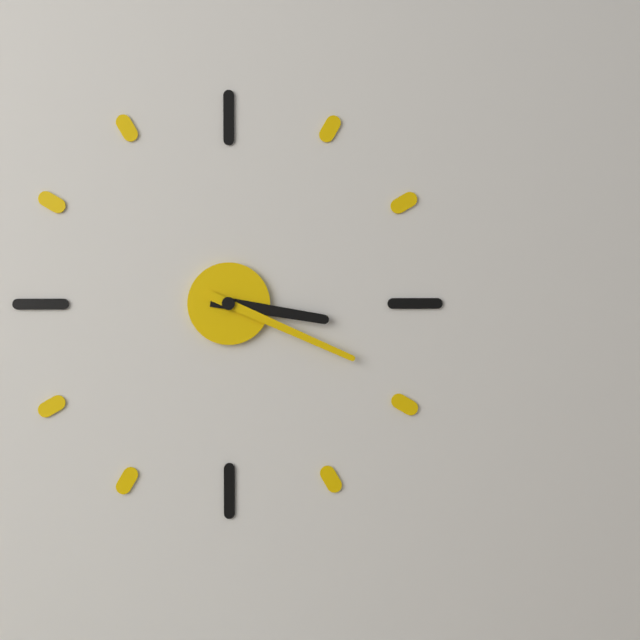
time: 3:19
